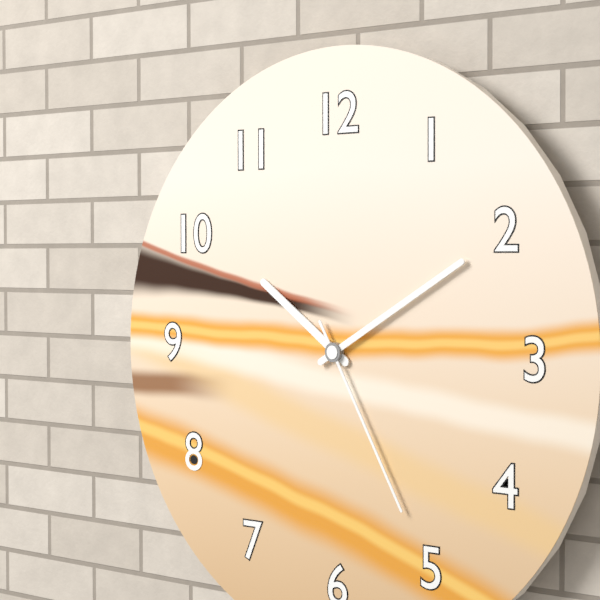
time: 10:10:25
